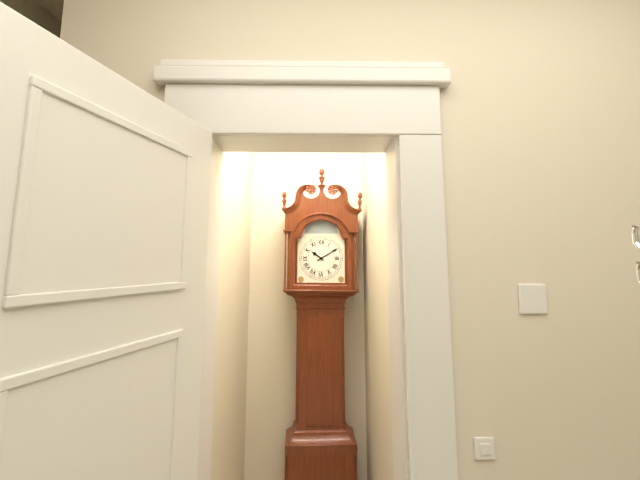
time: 10:10
